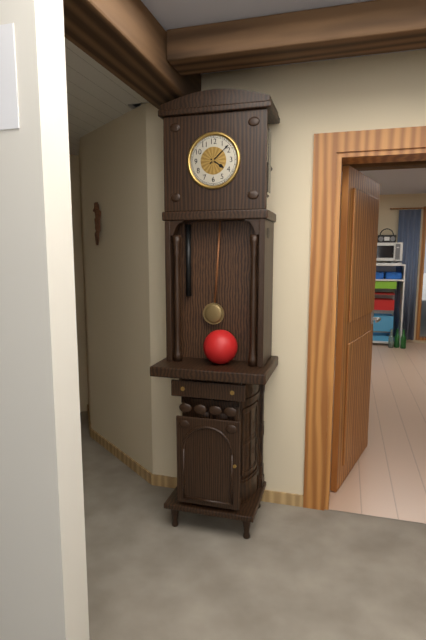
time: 4:08
